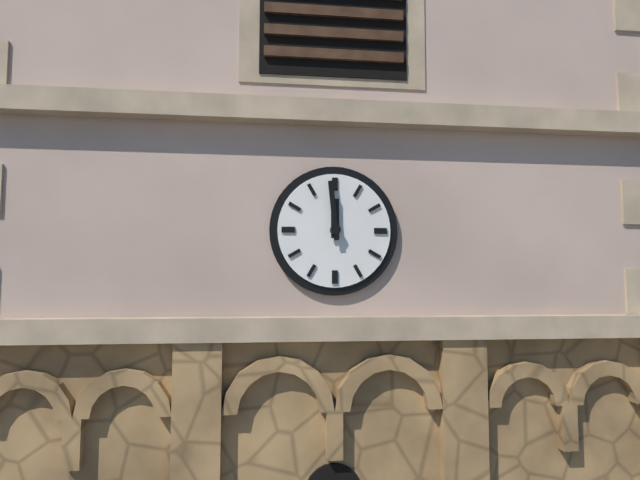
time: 11:59
